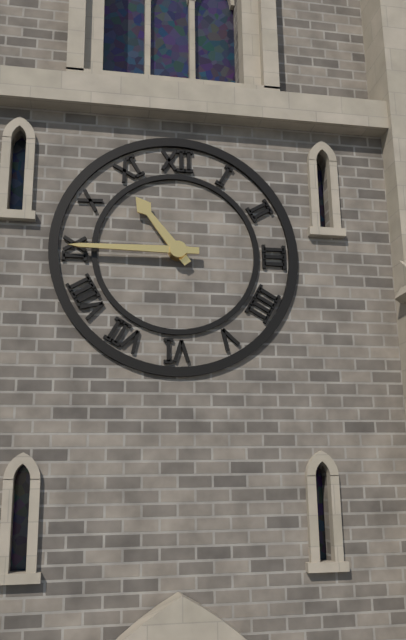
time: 10:45
